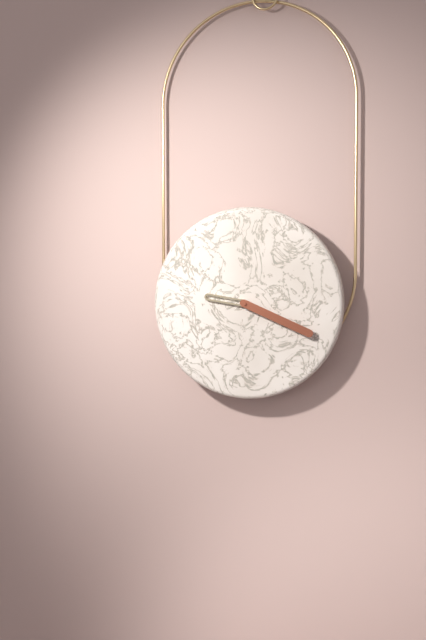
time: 9:19
